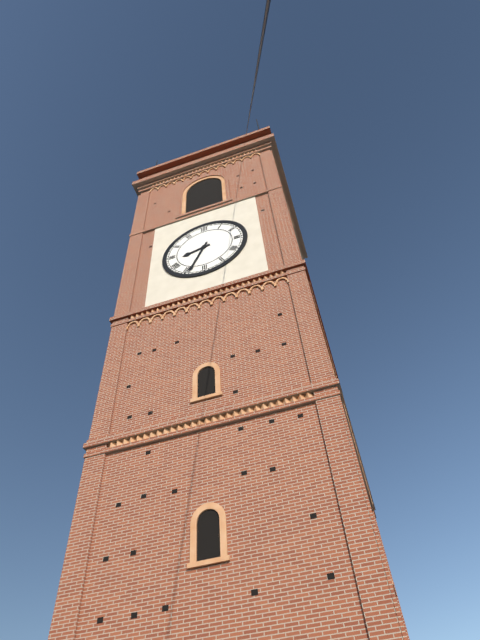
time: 8:34
